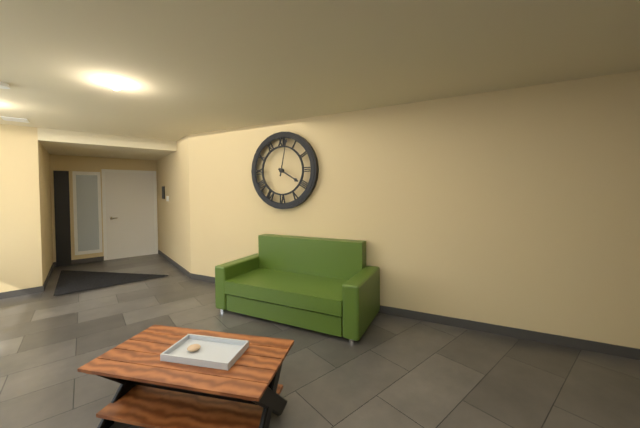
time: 4:02
